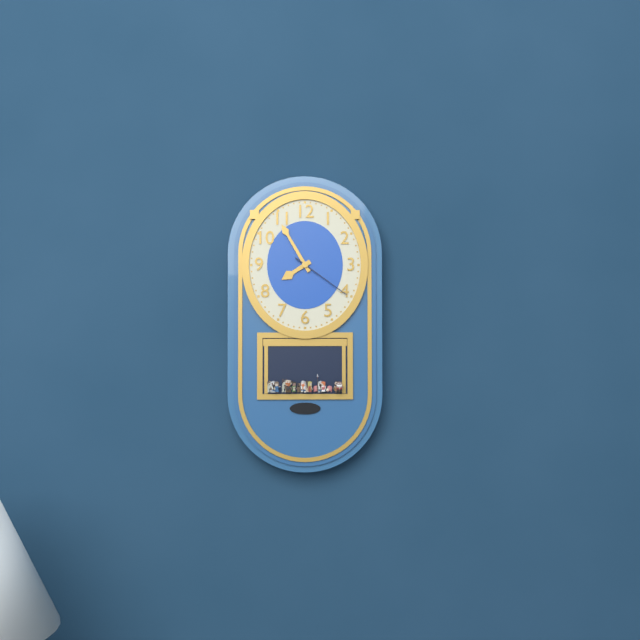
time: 7:55:21
